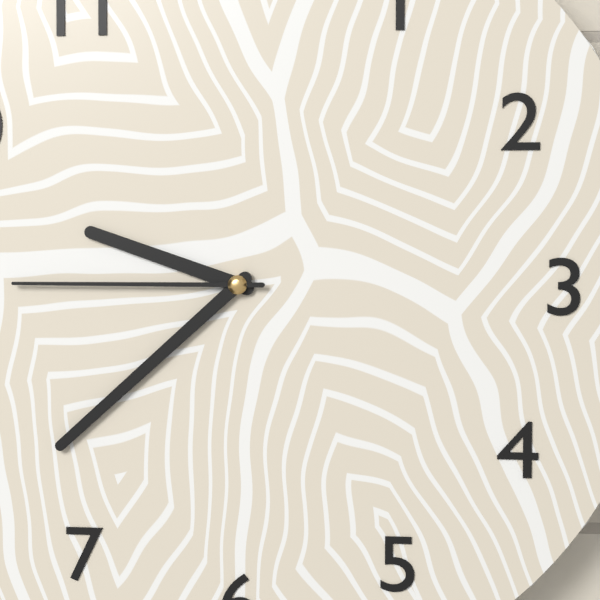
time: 9:38:45
